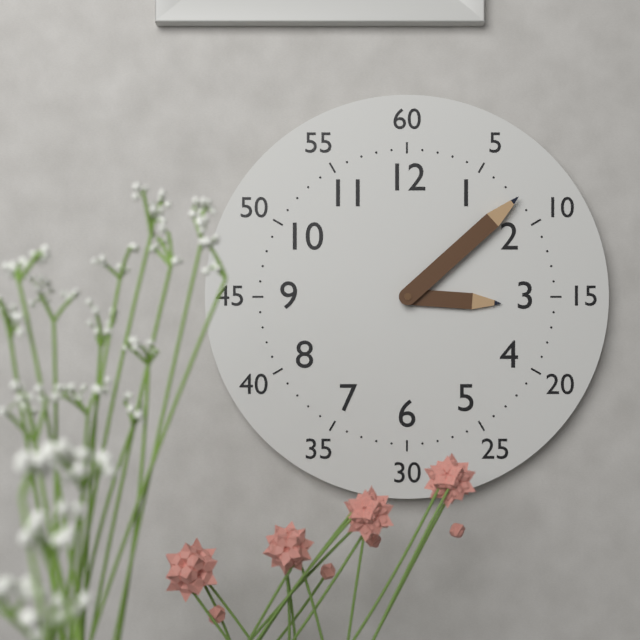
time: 3:08
